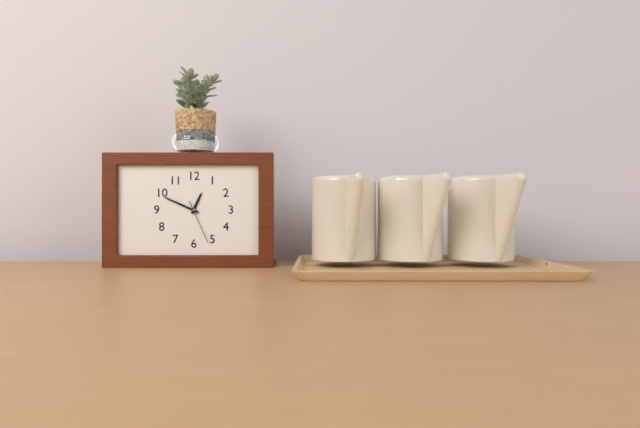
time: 12:49
